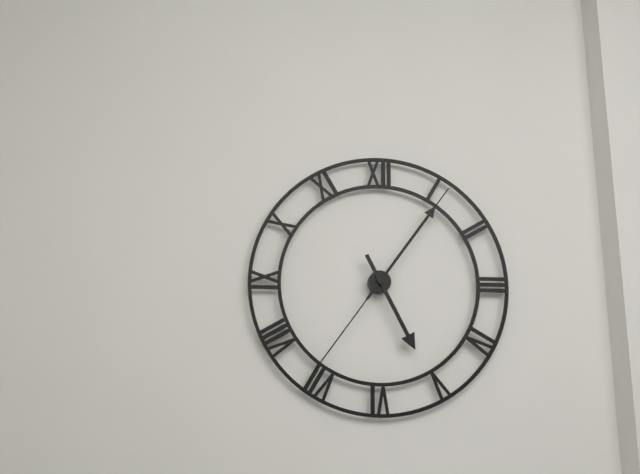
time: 5:06:06
